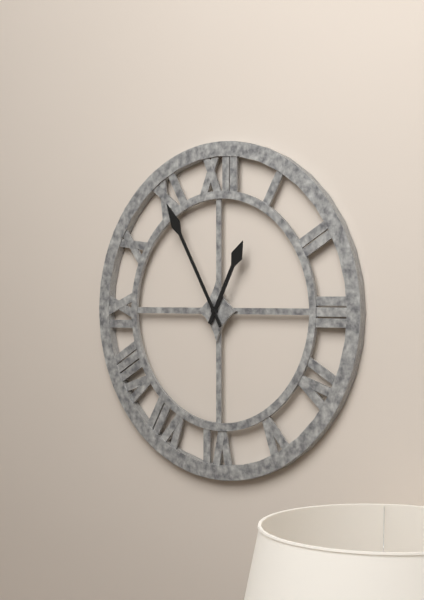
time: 12:55
